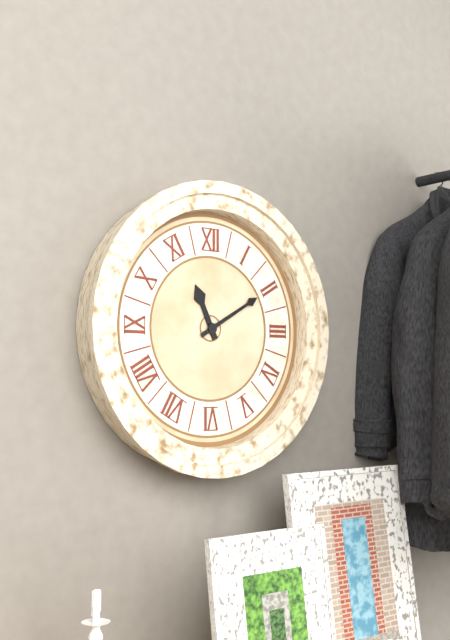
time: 11:10
